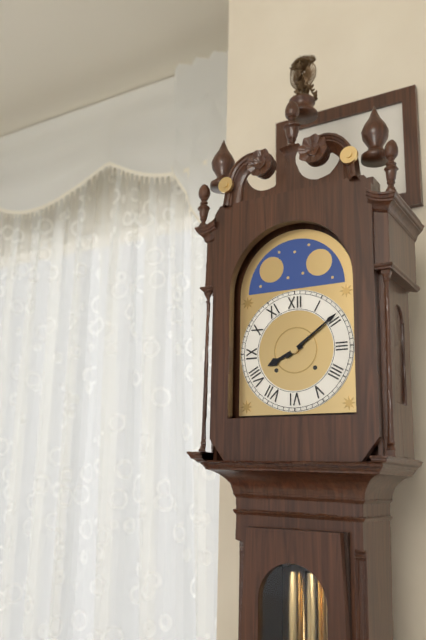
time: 8:09
